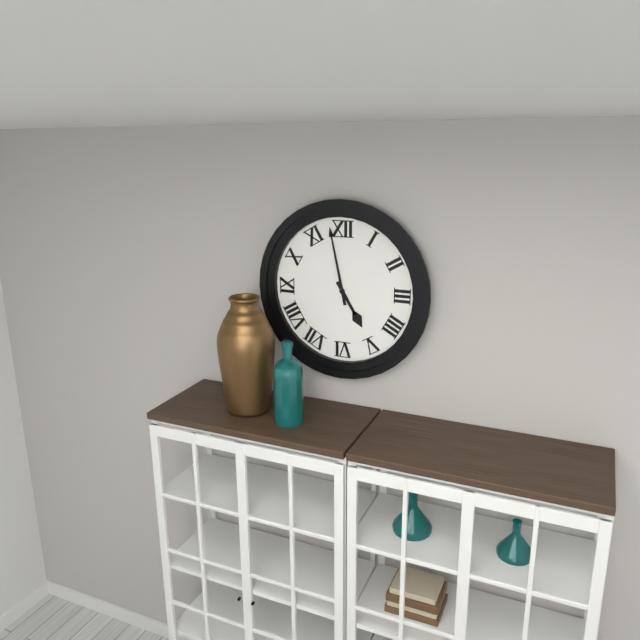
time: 4:58
